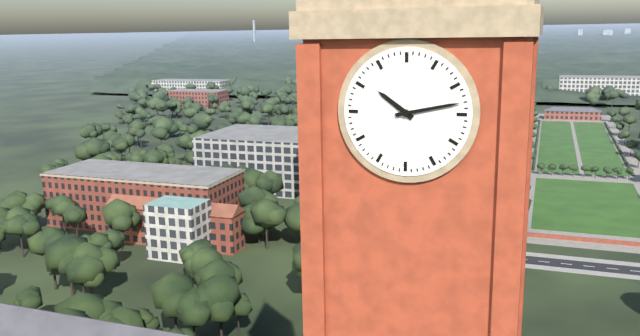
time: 10:13
